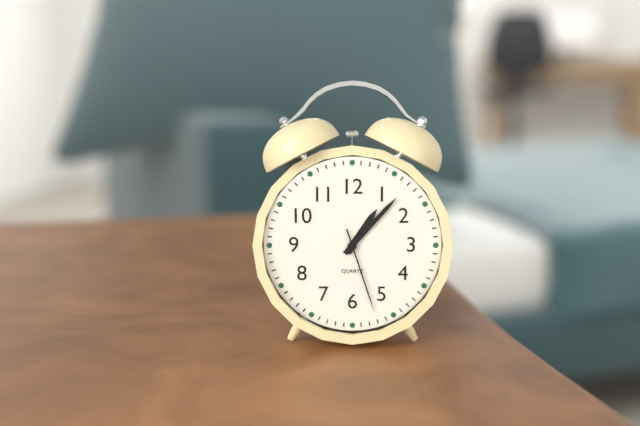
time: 1:07:27
